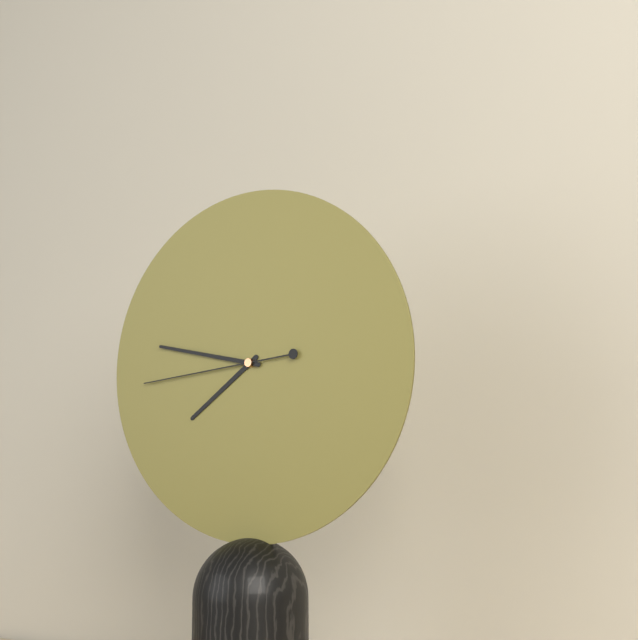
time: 7:47:44
